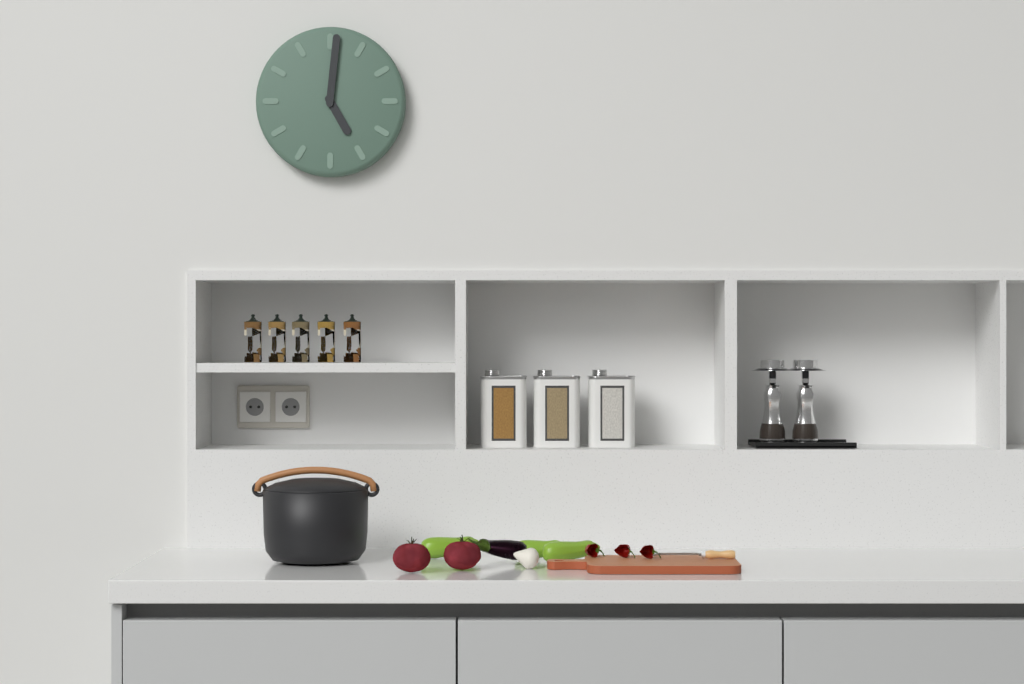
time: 5:01
